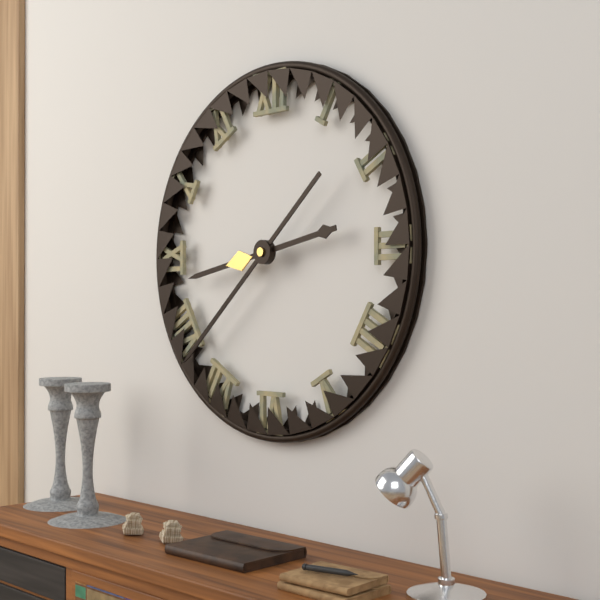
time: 8:38
